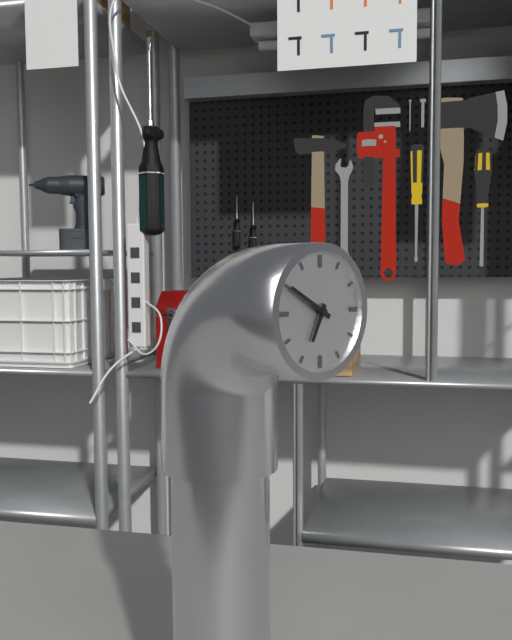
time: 6:50
